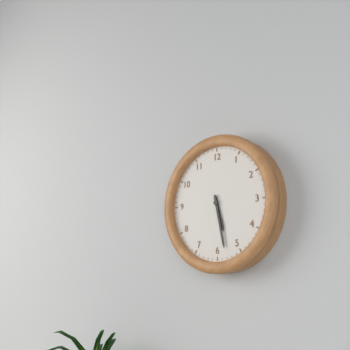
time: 5:28
